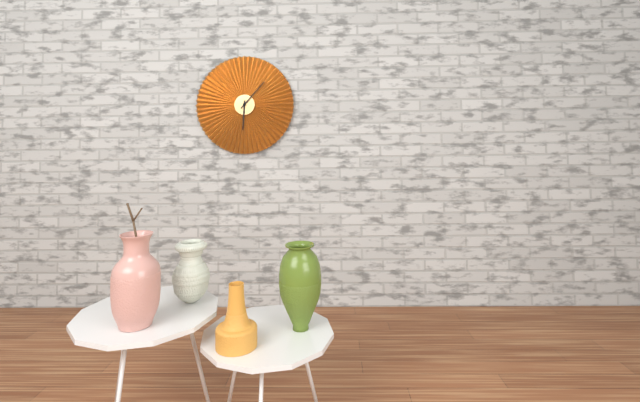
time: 6:07
